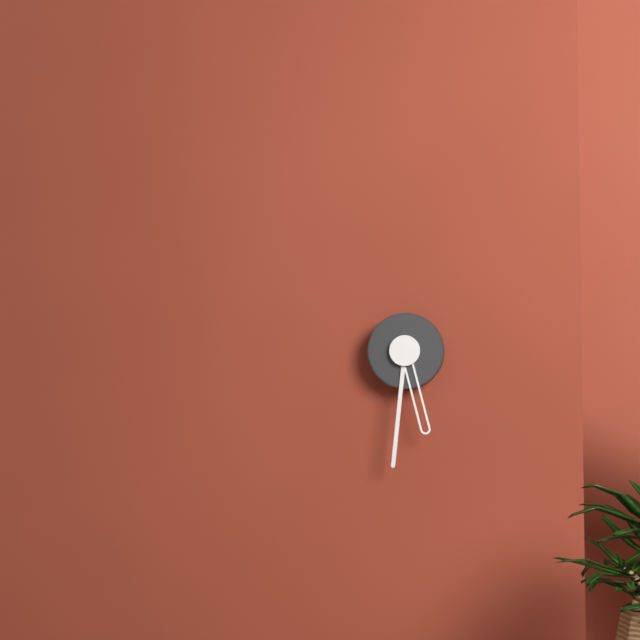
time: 5:31
